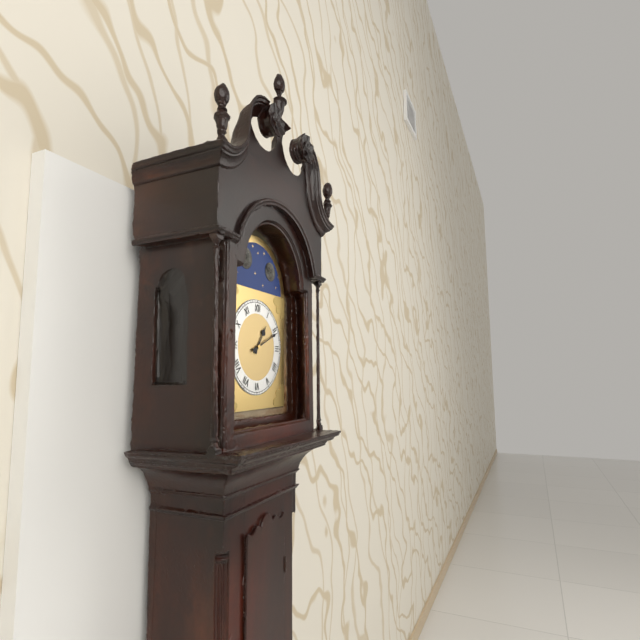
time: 1:11
